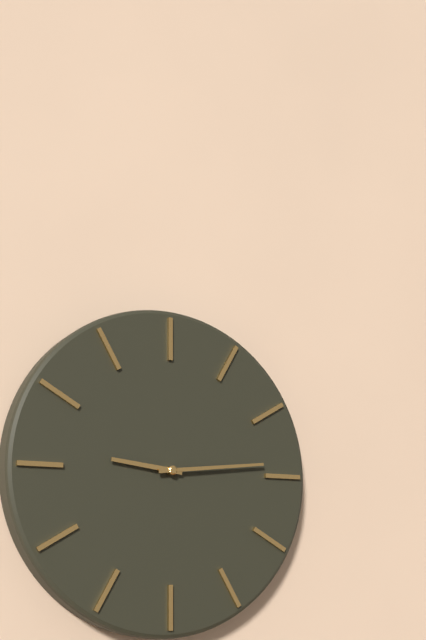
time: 9:14
